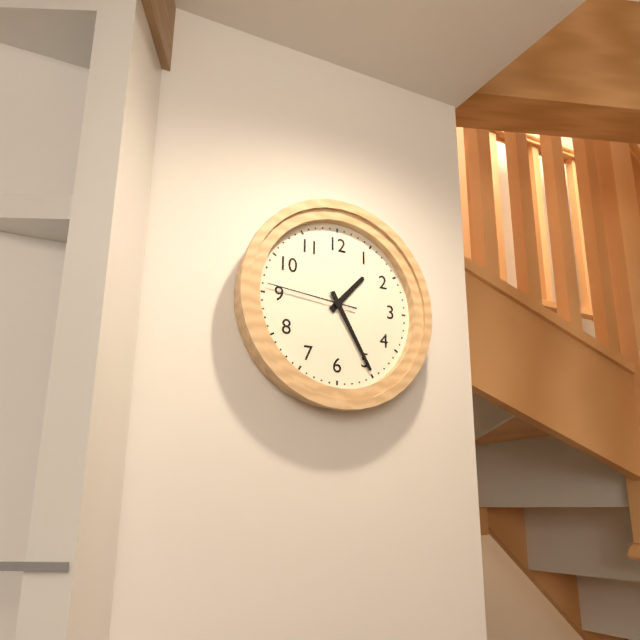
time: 1:25:46
